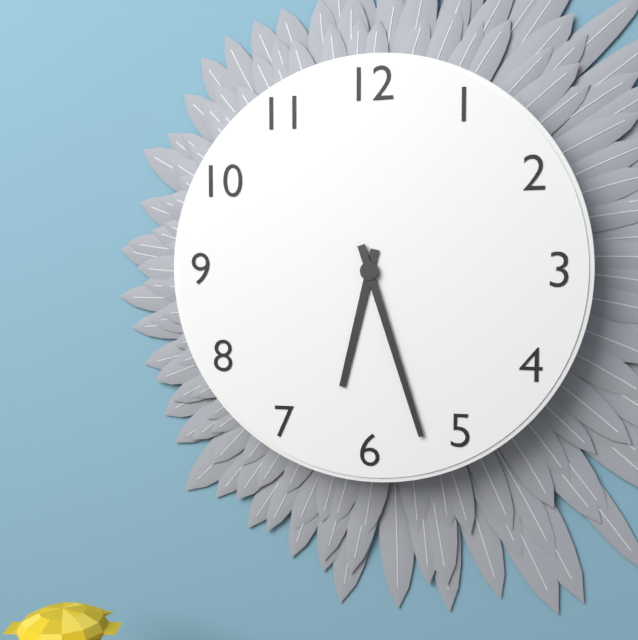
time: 6:27
